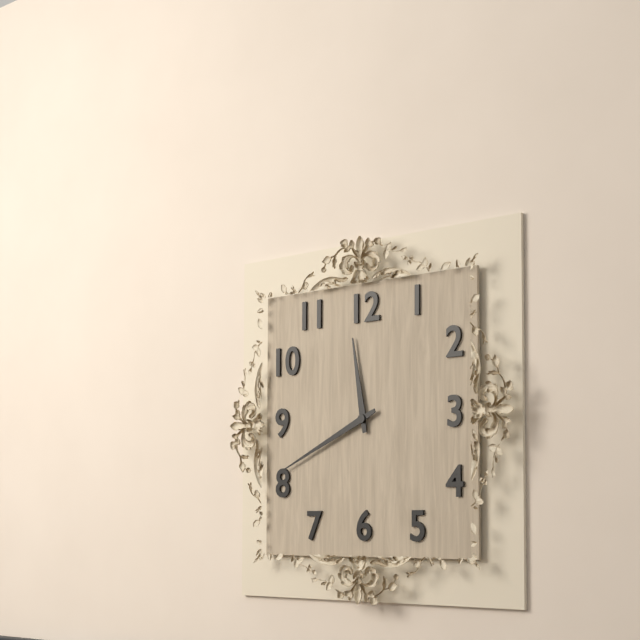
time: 11:41
